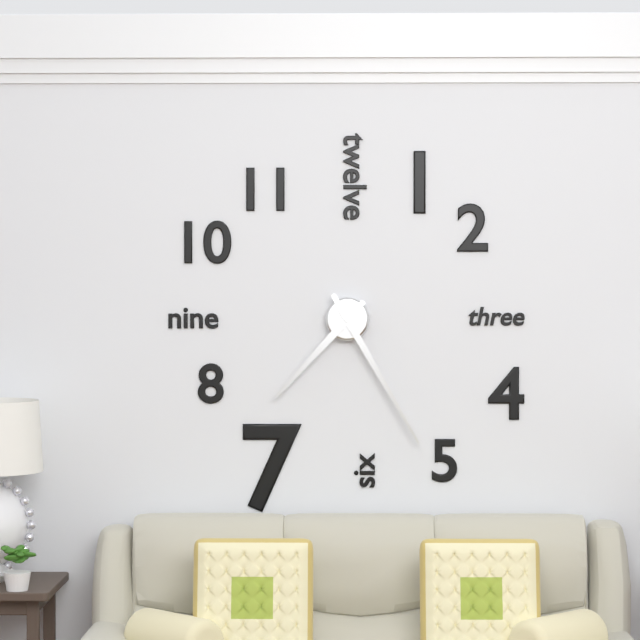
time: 7:25
